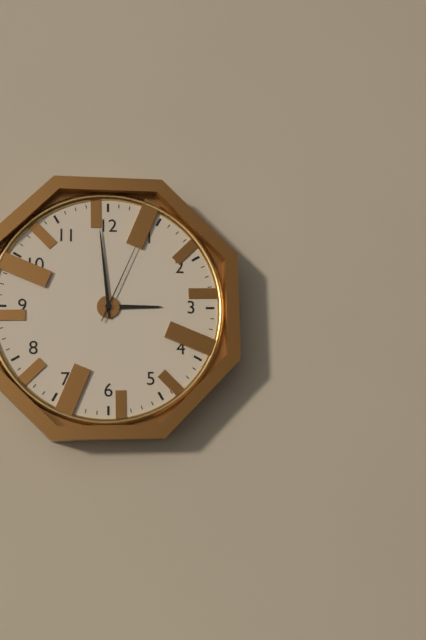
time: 2:59:04
